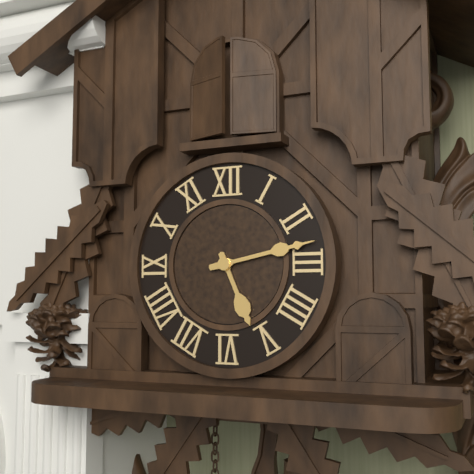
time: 5:13
